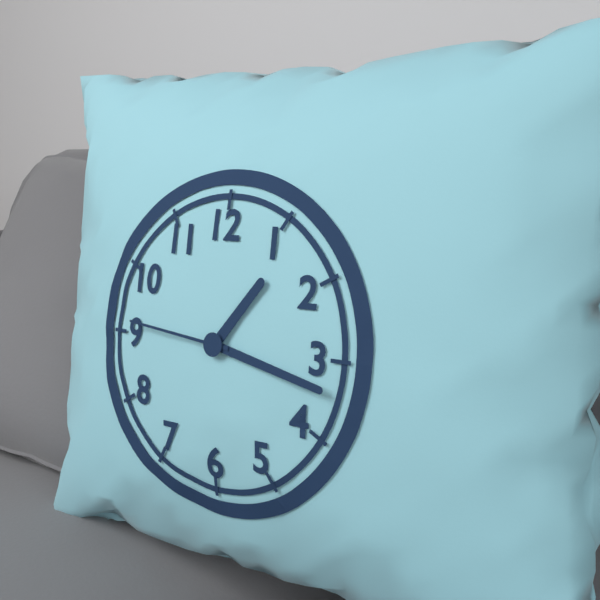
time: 1:17:46
